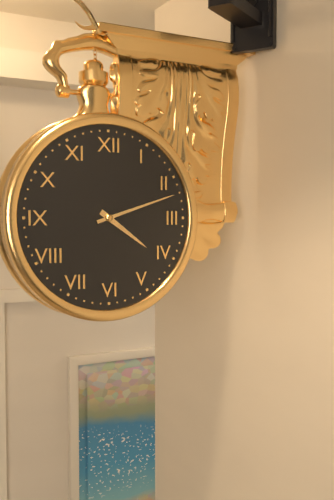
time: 4:12
